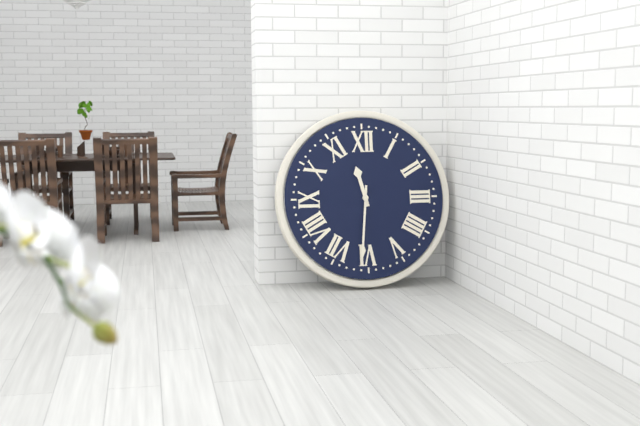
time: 11:31
